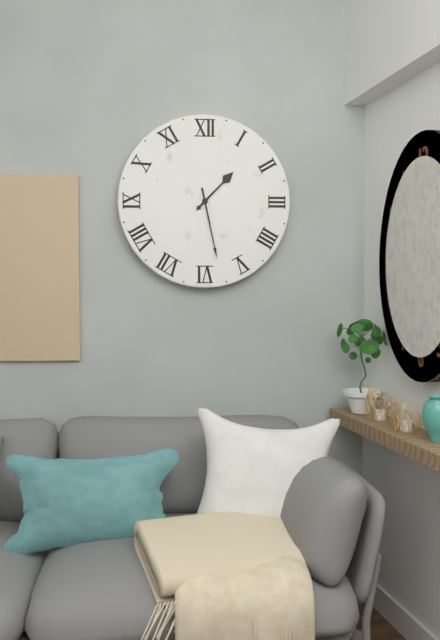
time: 1:28
